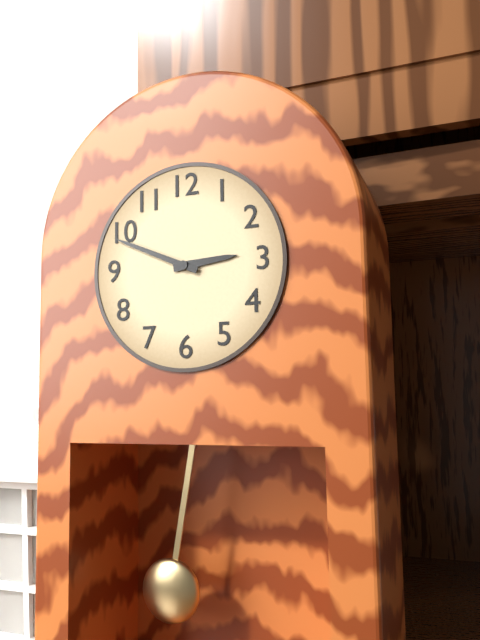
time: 2:49
